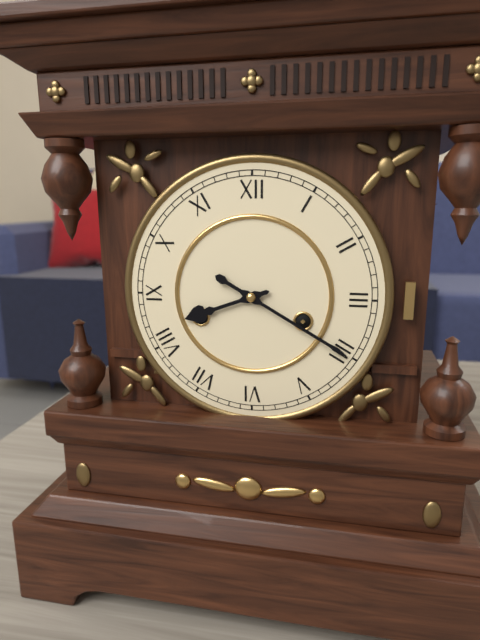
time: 8:20
